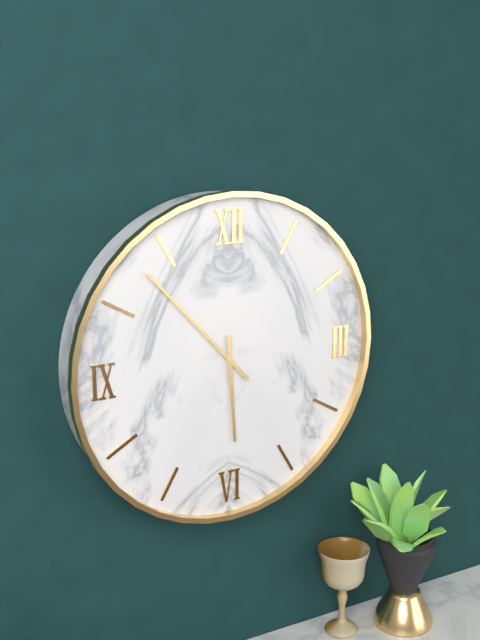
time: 5:53
